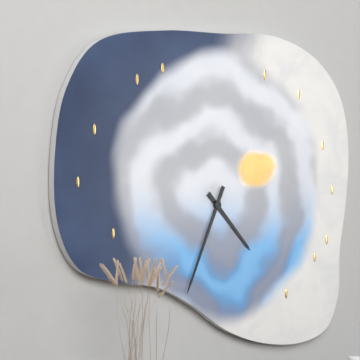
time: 4:34
